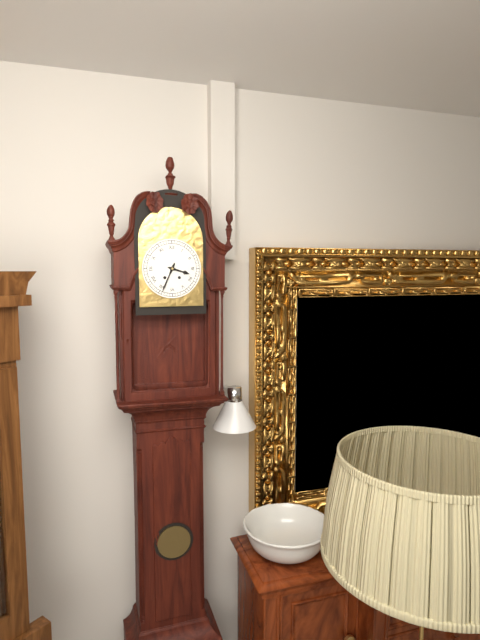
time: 3:34
